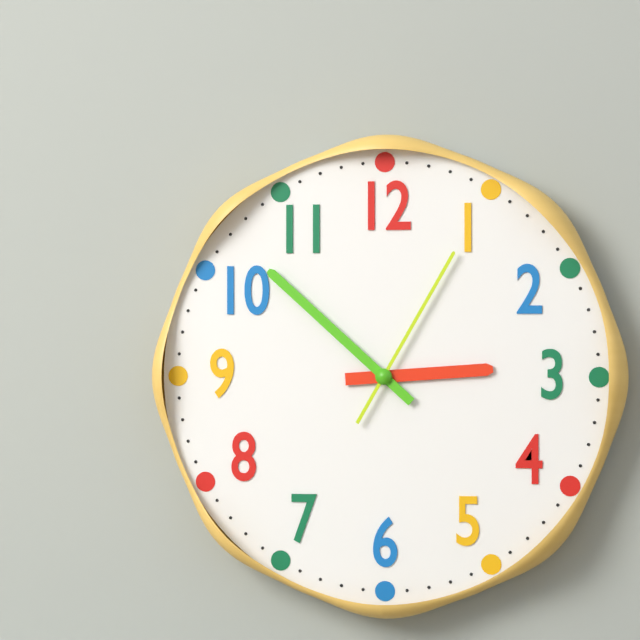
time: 2:52:05
